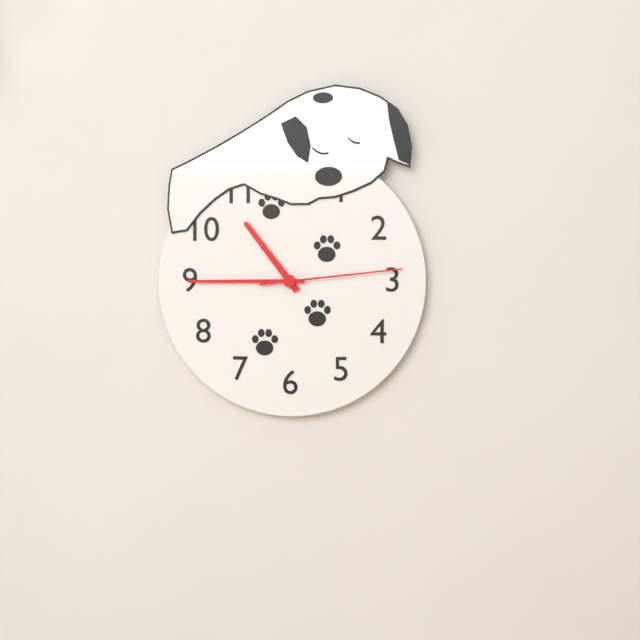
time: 10:45:14
